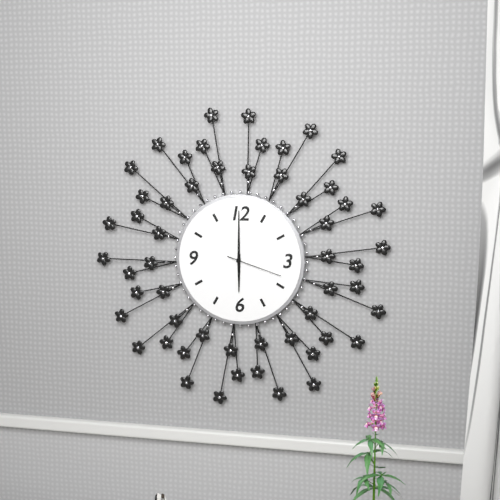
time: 6:00:18
